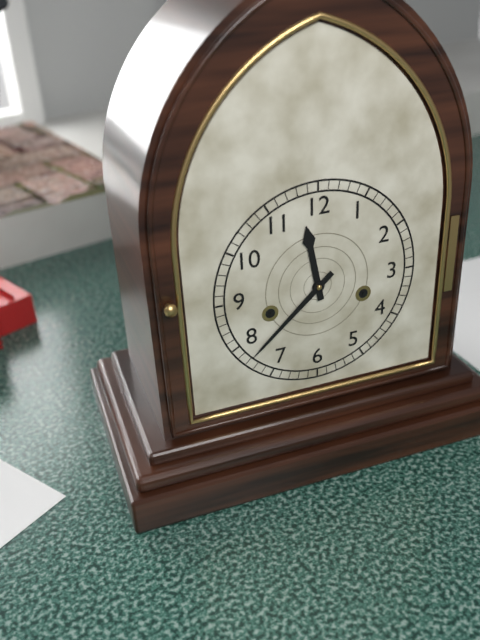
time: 11:38
